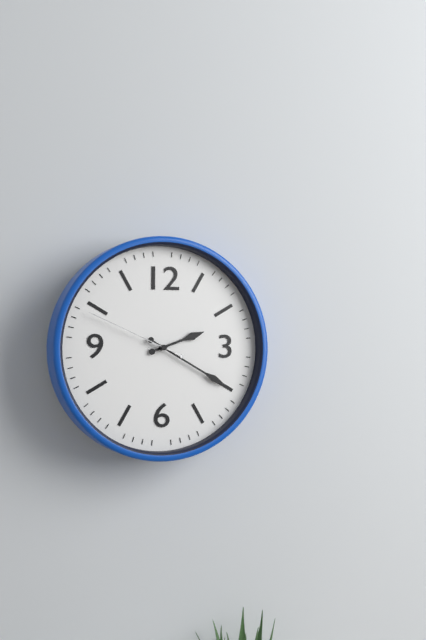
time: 2:20:49
